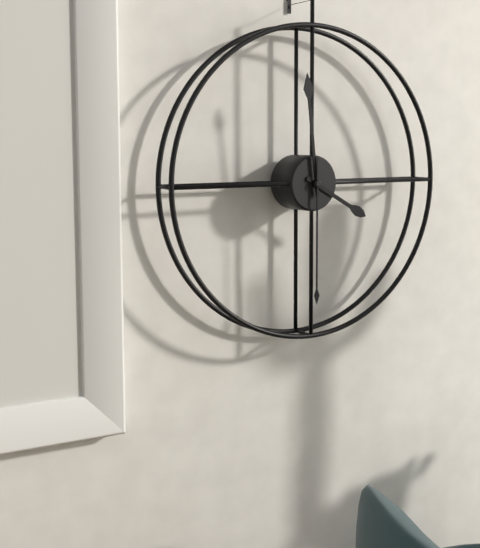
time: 3:59:30
